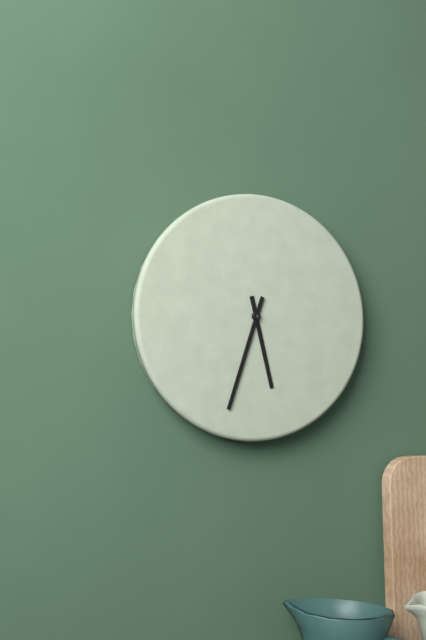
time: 5:33
